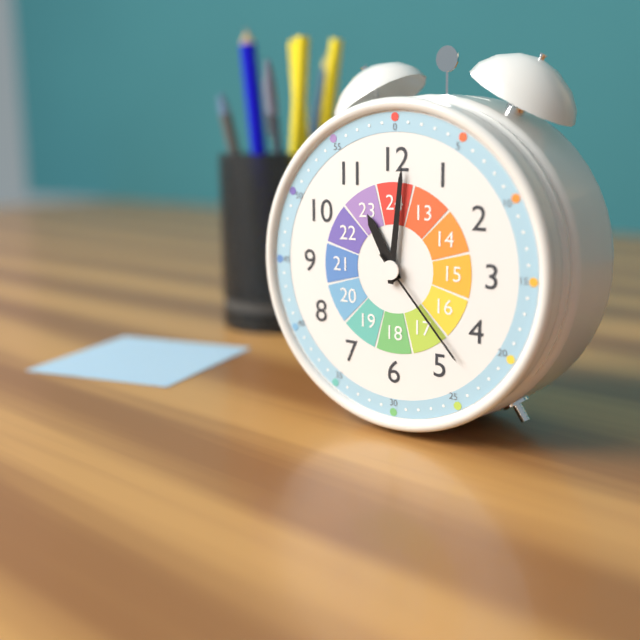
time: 11:01:23
